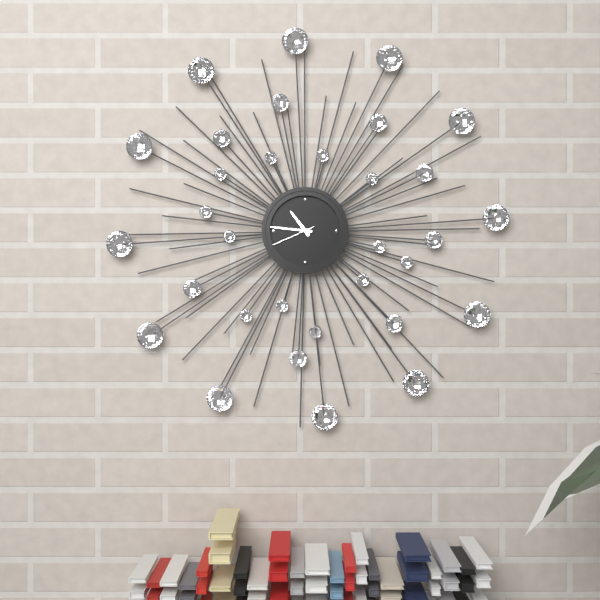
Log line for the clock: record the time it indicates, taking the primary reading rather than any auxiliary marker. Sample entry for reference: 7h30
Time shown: 10h46
